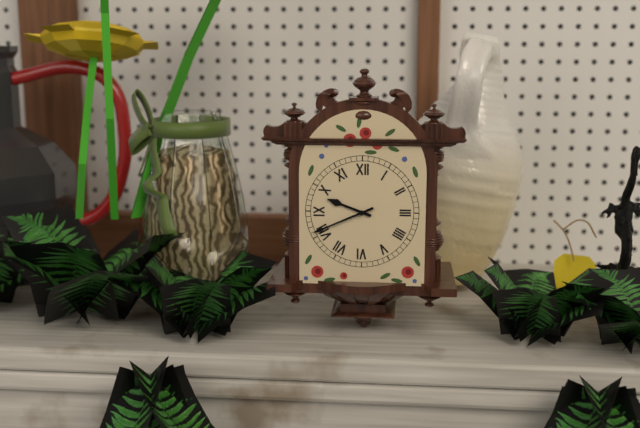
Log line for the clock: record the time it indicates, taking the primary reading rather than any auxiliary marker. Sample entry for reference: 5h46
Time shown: 9h41
